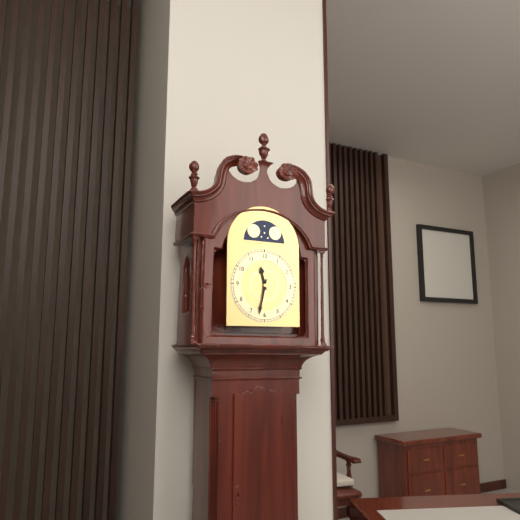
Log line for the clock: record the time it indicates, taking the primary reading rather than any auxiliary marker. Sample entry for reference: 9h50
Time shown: 11h32
